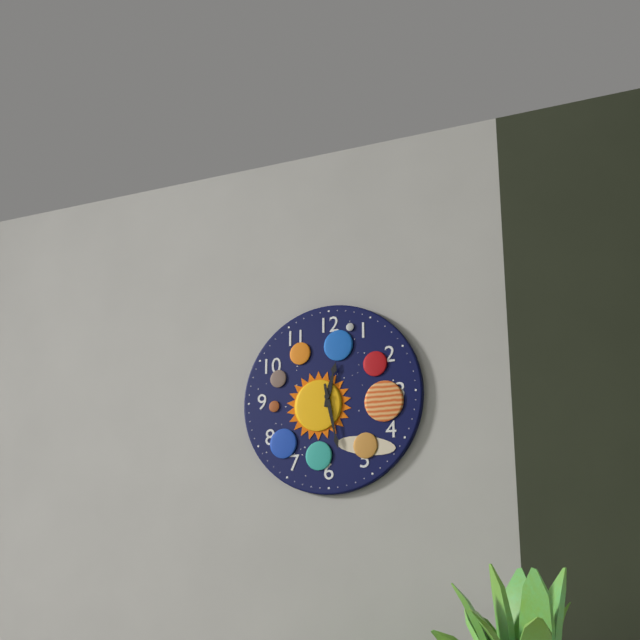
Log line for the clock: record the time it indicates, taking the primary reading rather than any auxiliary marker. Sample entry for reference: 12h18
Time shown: 12h28
